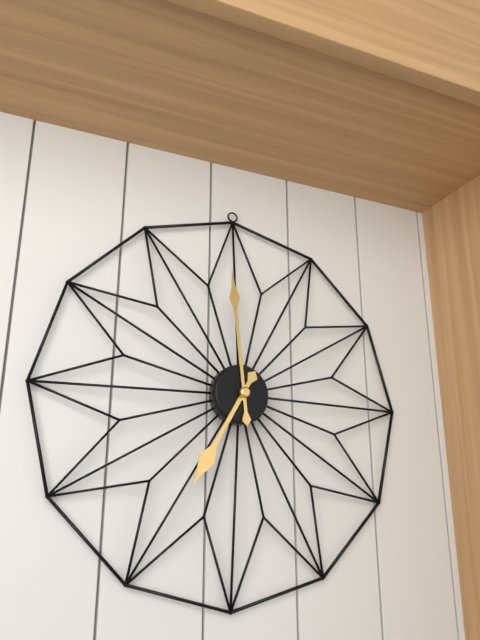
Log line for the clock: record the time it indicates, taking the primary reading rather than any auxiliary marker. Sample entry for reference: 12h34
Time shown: 6h59
